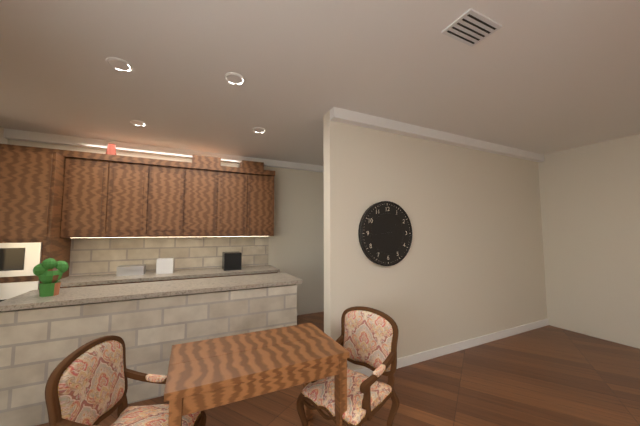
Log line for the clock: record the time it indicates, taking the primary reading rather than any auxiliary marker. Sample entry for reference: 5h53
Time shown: 1h44
